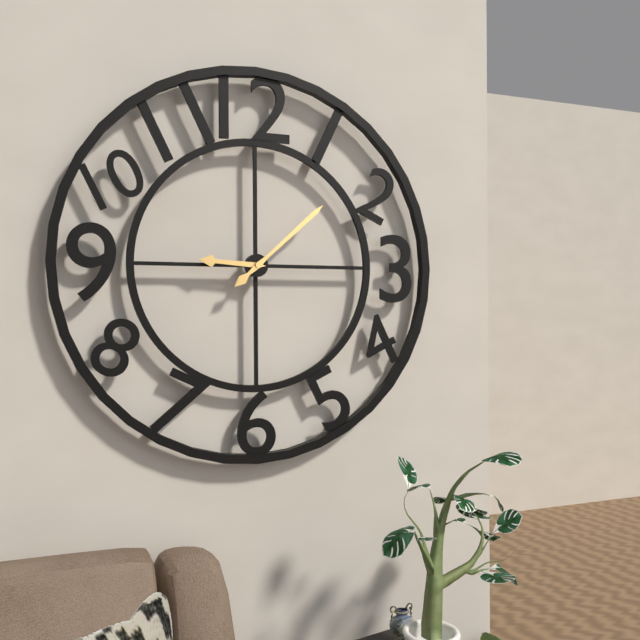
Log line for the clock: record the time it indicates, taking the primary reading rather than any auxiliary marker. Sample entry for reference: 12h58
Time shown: 9h08
